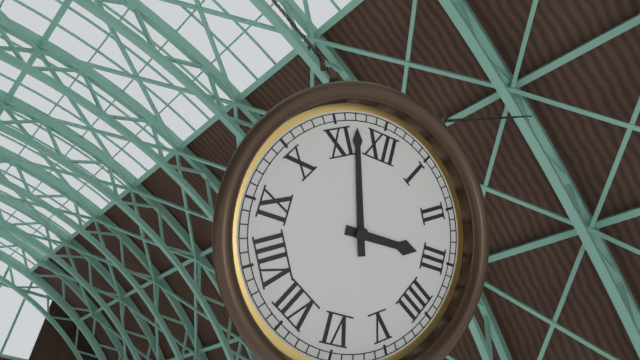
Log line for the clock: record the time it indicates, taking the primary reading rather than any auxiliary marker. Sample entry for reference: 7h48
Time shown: 2h57
